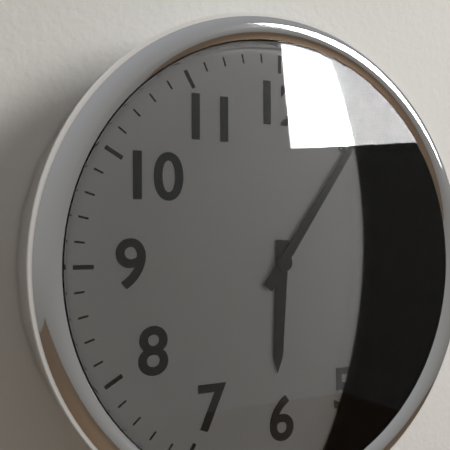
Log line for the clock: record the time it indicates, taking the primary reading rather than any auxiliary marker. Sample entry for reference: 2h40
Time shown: 6h06
